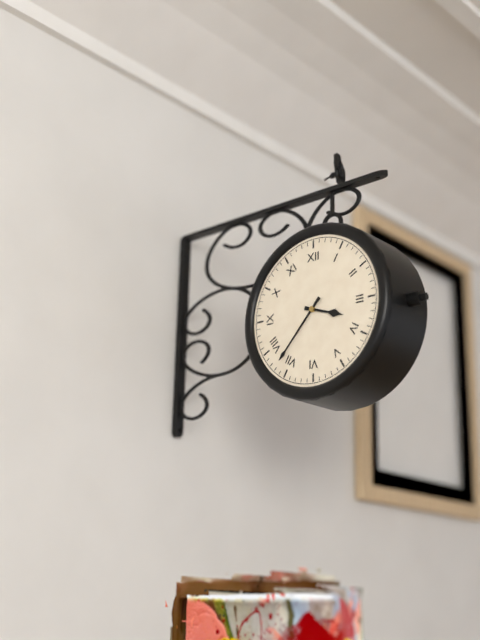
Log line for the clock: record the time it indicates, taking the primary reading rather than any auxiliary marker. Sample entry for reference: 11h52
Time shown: 3h37
